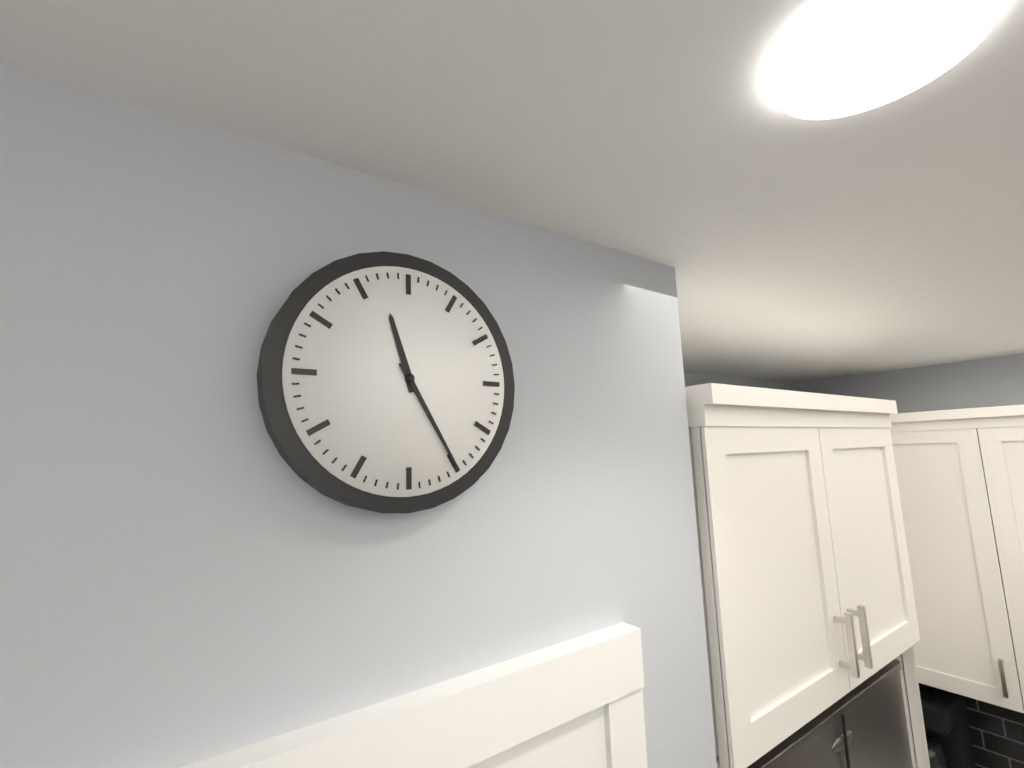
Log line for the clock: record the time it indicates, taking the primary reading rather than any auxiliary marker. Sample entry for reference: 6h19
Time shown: 11h25
